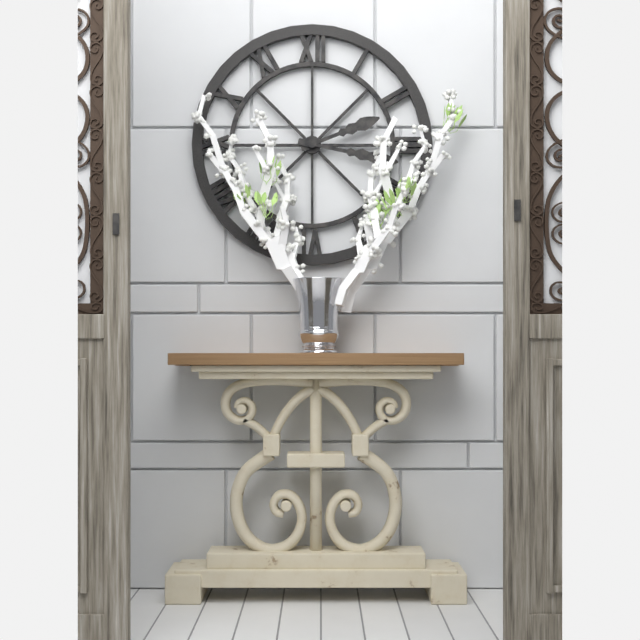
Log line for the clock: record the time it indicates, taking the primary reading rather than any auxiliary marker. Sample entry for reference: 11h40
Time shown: 2h17
